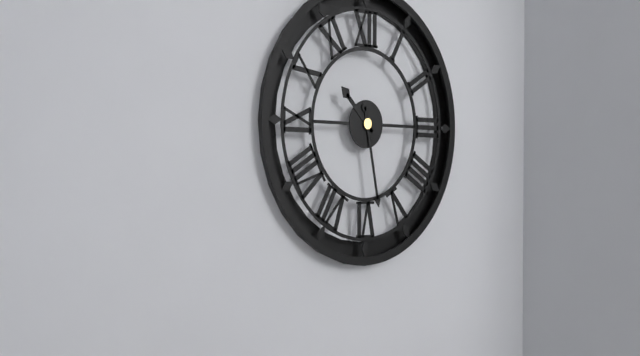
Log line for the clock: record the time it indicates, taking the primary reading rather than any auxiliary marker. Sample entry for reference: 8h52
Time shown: 10h28
